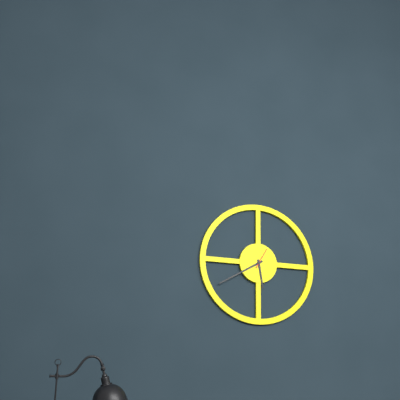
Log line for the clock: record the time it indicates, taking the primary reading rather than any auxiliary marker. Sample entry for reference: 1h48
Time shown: 5h40
